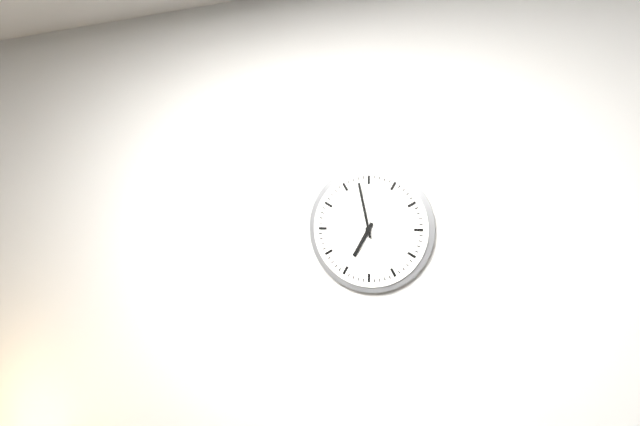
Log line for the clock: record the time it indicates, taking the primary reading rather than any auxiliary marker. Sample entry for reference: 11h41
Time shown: 6h58
